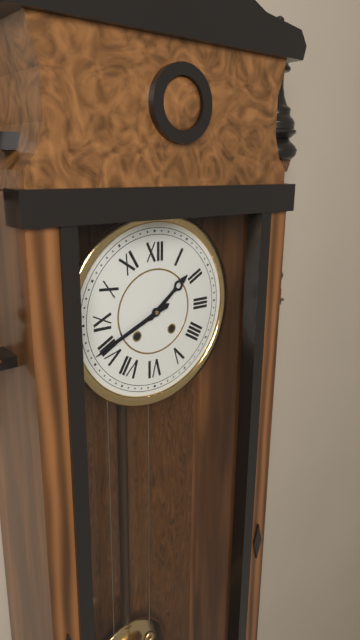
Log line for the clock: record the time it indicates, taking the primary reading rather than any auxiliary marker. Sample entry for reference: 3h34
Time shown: 1h41
